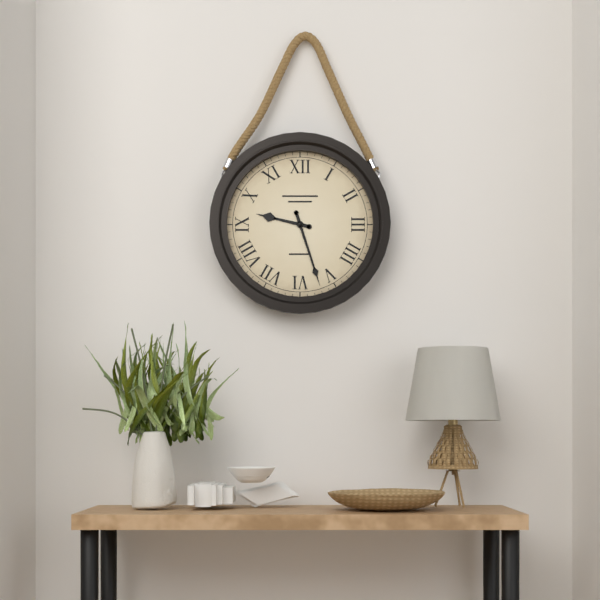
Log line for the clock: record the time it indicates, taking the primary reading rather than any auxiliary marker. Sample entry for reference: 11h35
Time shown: 9h27
